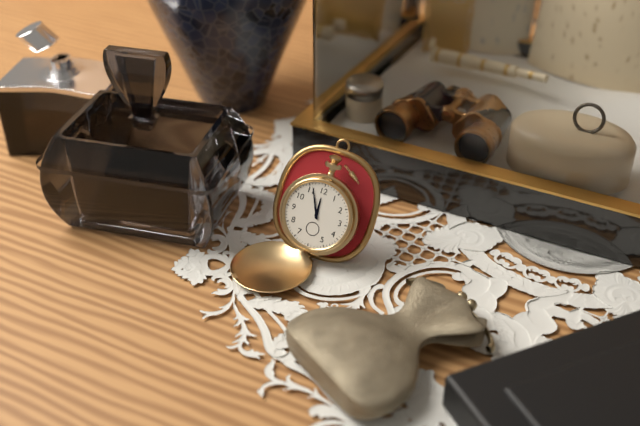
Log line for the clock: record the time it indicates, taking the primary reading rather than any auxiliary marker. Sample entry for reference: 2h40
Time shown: 11h56
